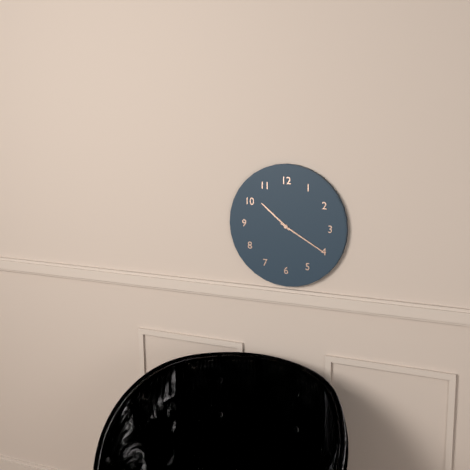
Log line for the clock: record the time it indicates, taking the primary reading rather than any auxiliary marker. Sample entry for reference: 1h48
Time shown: 10h20
